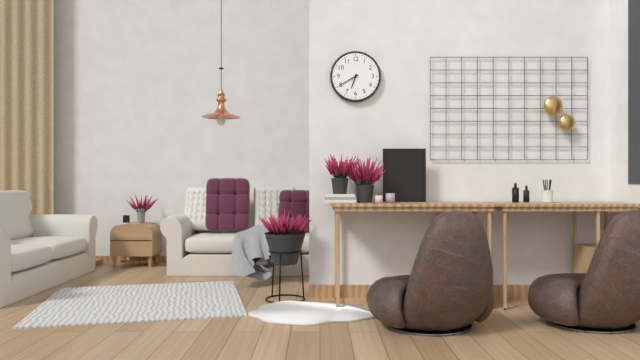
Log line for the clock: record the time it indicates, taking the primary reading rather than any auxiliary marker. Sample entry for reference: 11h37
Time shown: 6h40
